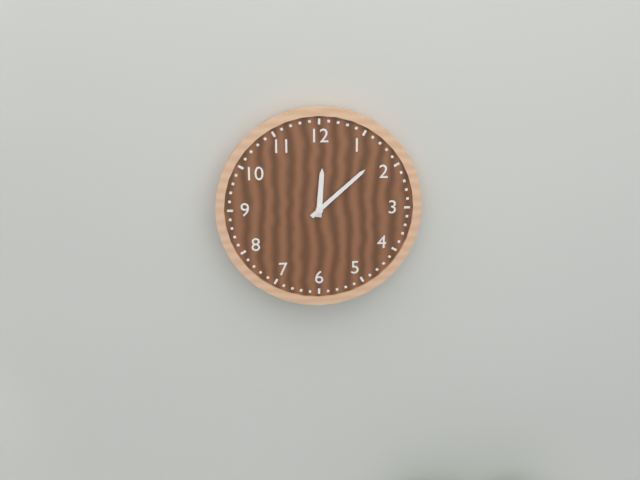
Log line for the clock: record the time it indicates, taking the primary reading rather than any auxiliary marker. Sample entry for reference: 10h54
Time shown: 12h08
